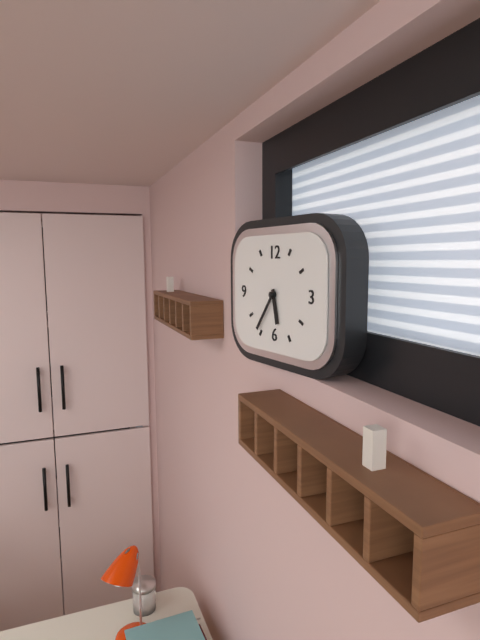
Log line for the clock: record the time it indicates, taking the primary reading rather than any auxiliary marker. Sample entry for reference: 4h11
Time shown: 5h36
